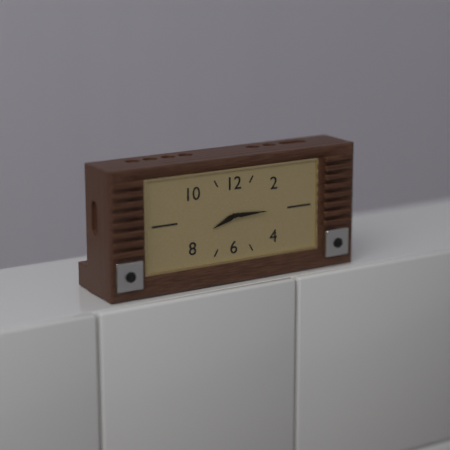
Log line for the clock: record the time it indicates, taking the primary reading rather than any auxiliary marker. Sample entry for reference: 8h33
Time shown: 8h15
